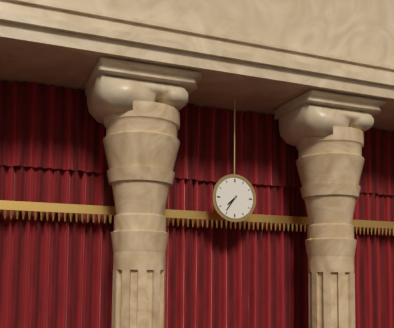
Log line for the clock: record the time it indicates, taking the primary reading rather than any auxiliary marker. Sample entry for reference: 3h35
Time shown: 7h36
